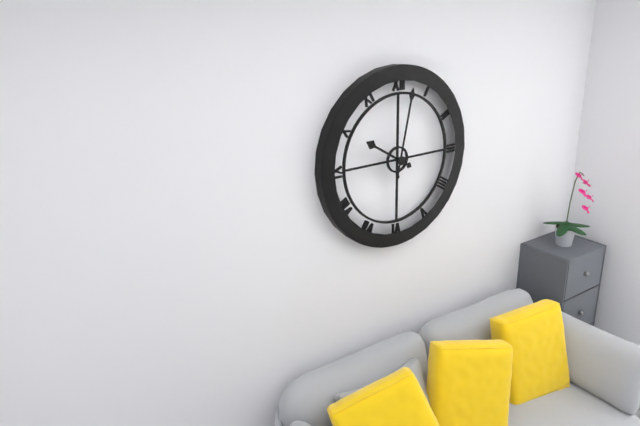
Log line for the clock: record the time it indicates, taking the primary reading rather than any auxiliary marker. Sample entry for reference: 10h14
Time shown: 10h02
